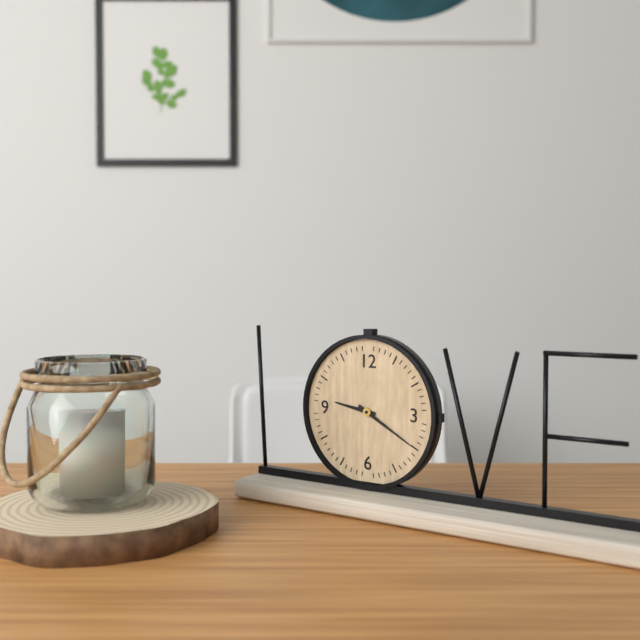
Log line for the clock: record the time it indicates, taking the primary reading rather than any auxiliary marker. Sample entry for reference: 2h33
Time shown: 9h20
